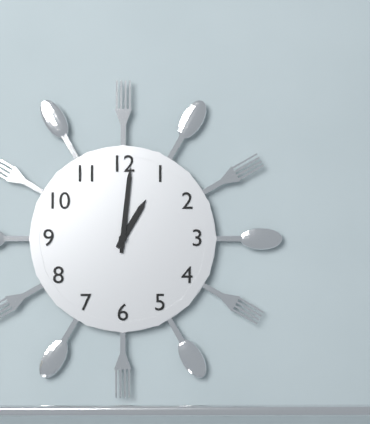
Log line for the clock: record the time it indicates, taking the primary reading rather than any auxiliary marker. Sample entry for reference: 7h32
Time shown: 1h01
